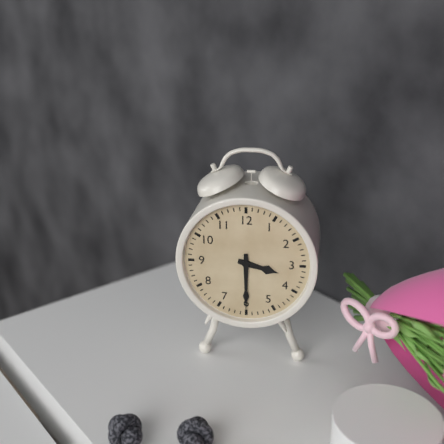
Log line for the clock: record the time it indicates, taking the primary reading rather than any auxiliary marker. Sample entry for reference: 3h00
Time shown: 3h30
